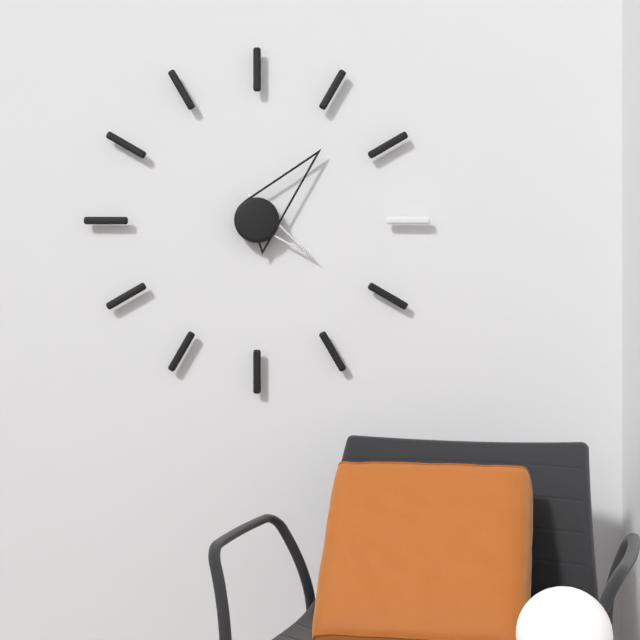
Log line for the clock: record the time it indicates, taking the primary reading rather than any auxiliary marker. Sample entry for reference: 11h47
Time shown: 4h07
